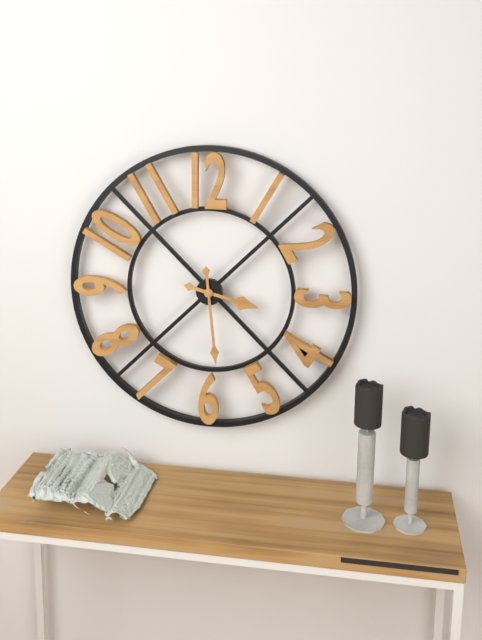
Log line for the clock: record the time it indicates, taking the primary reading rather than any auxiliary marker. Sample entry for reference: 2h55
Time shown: 3h29
